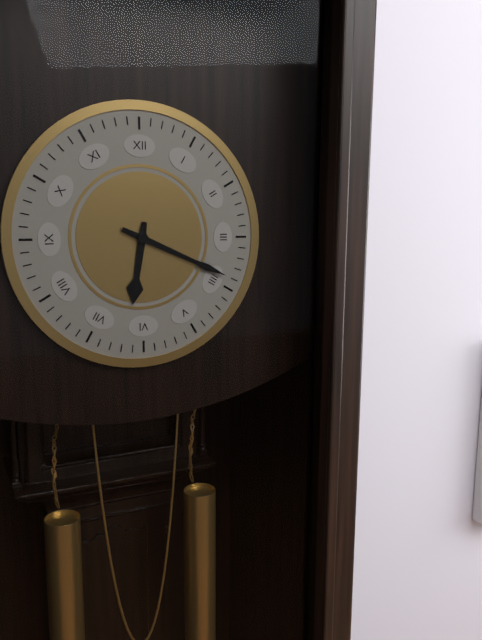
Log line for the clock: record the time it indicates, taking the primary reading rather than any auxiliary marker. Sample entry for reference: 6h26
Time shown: 6h19
